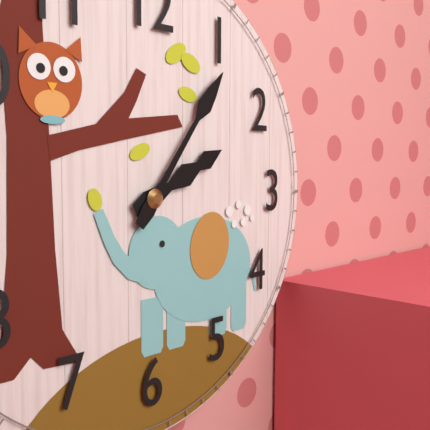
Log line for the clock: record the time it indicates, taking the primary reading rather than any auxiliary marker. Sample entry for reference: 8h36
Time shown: 2h06
